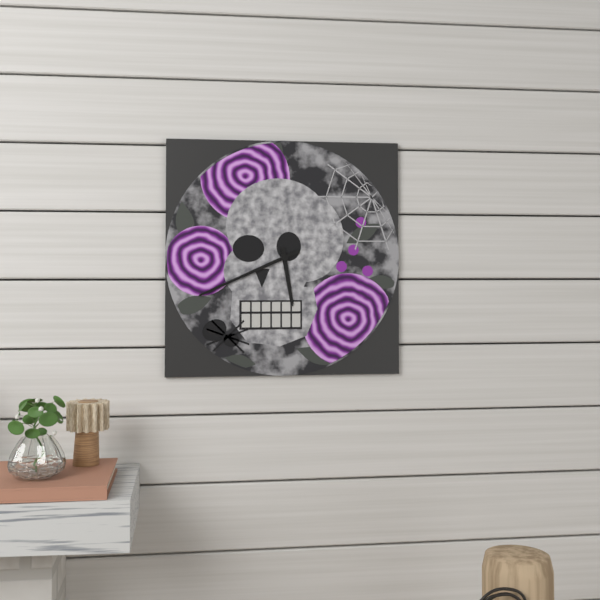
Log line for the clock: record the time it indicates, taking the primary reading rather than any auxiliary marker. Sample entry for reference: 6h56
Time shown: 5h41
